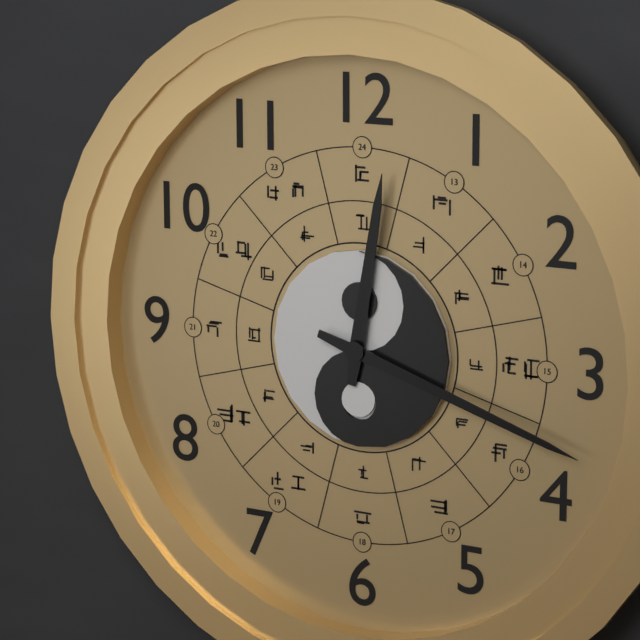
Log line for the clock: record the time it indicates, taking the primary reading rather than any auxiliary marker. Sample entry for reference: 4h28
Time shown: 12h18
